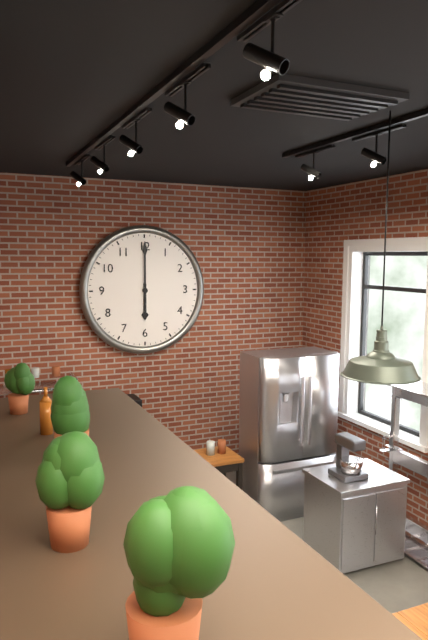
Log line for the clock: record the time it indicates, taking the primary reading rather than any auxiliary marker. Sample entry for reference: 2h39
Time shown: 6h00
